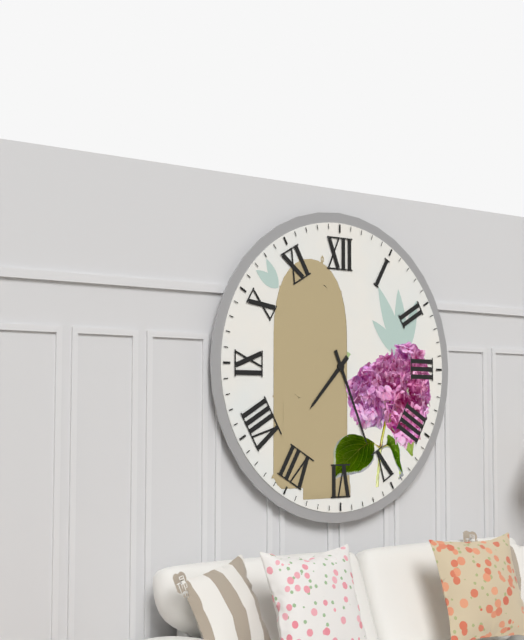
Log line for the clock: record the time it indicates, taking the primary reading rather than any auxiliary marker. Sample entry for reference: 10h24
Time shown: 7h26
